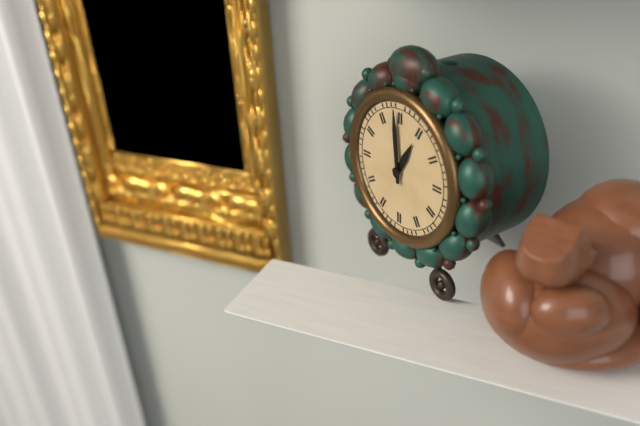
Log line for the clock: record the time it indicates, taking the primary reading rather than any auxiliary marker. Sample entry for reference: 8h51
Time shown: 12h59
